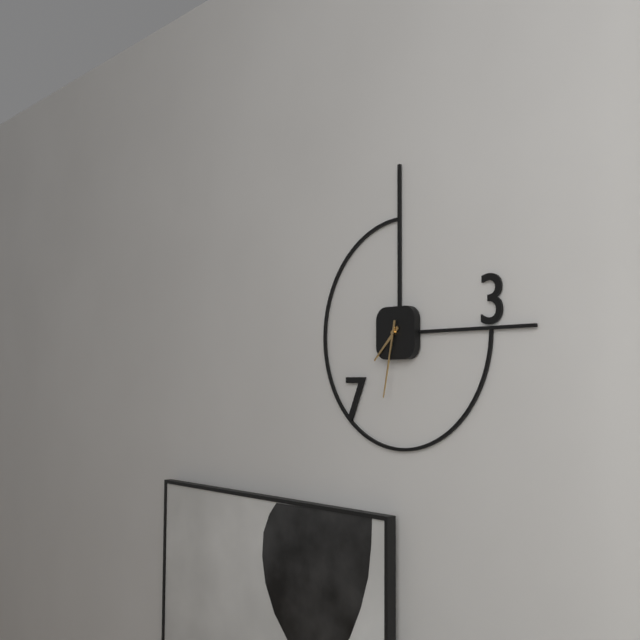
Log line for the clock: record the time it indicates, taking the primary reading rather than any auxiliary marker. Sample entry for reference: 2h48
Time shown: 7h32
